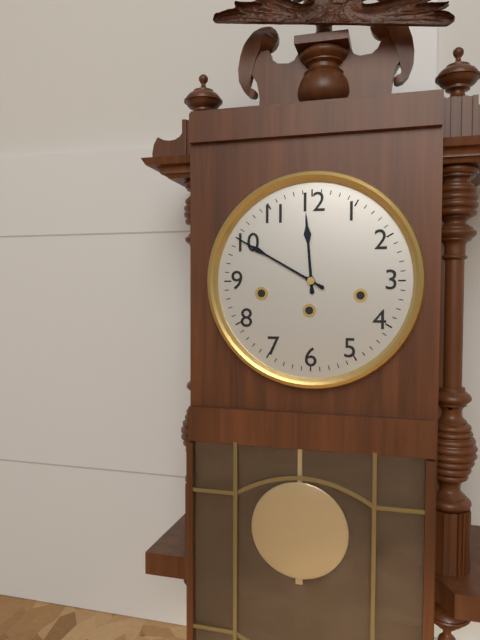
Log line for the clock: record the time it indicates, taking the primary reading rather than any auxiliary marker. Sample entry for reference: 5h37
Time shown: 11h50
